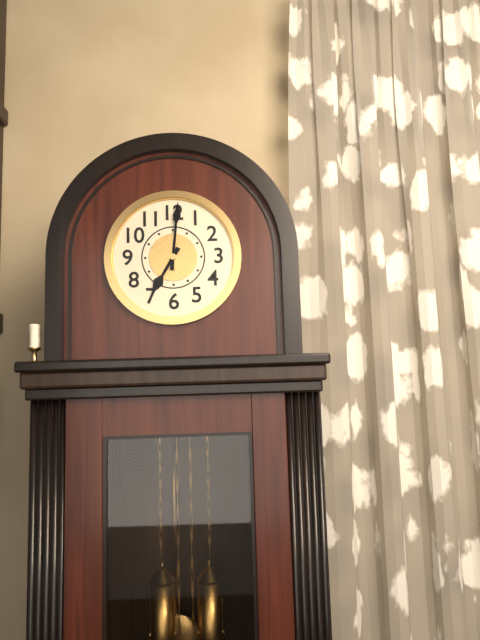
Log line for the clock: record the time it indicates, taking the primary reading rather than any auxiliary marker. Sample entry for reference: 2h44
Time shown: 7h01
